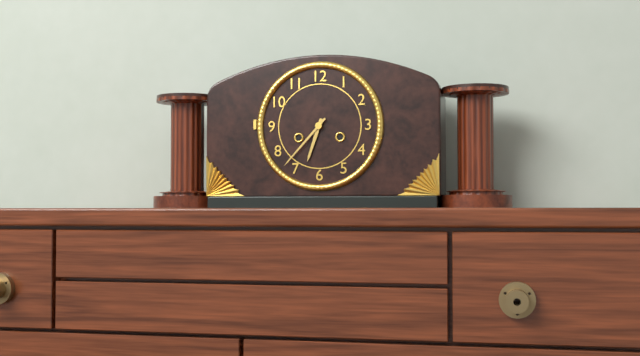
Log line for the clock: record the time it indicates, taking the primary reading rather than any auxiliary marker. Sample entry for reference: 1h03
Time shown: 6h37
